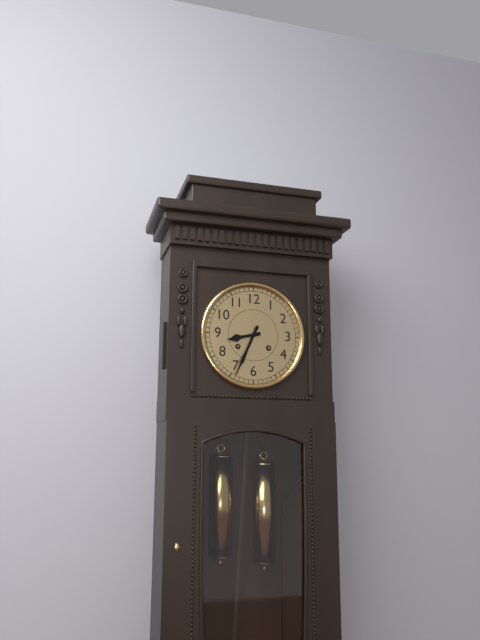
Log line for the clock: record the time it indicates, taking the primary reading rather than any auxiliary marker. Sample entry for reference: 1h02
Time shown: 8h34
